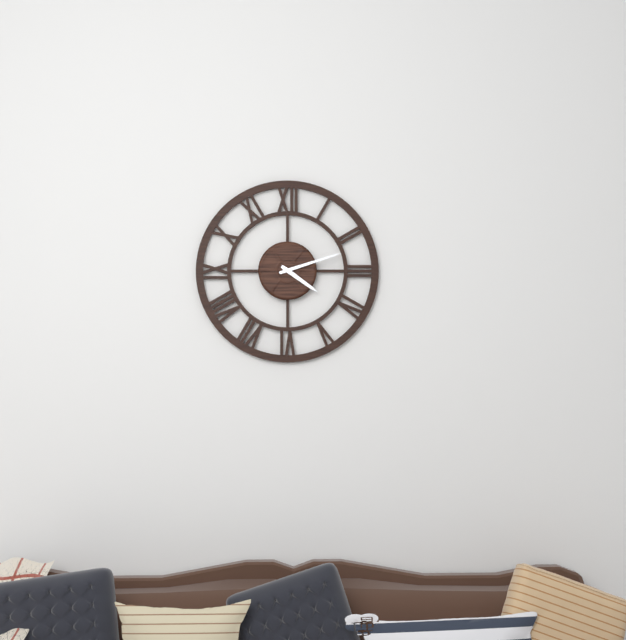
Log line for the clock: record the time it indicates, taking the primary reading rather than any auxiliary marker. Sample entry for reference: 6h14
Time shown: 4h12
